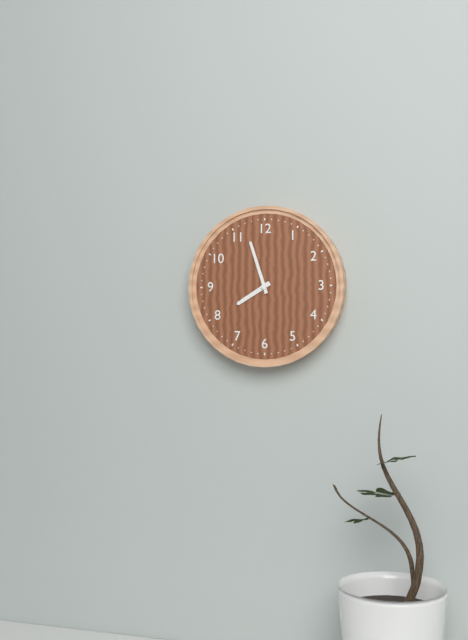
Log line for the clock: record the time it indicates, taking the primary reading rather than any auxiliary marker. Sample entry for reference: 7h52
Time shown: 7h57
